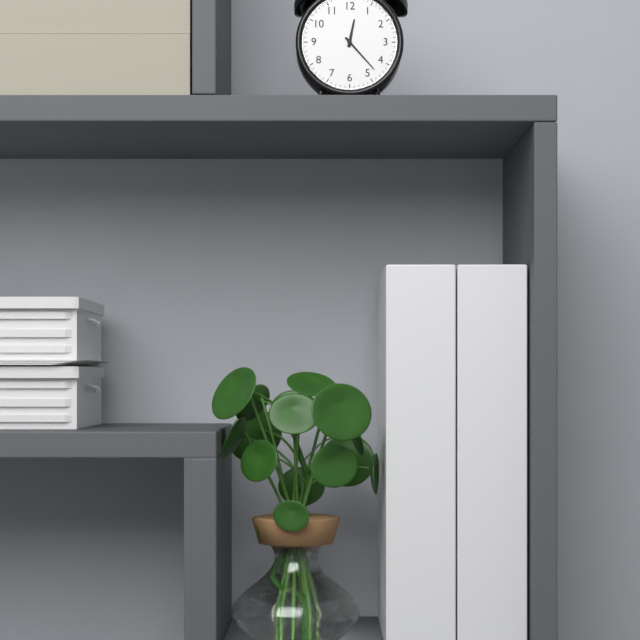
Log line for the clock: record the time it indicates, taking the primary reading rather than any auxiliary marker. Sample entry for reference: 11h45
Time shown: 12h23
